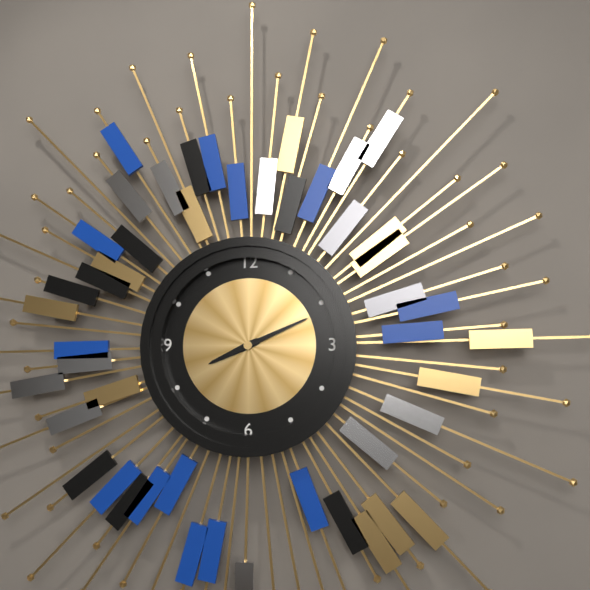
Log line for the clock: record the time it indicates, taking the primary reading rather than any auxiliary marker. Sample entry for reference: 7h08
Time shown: 8h11
